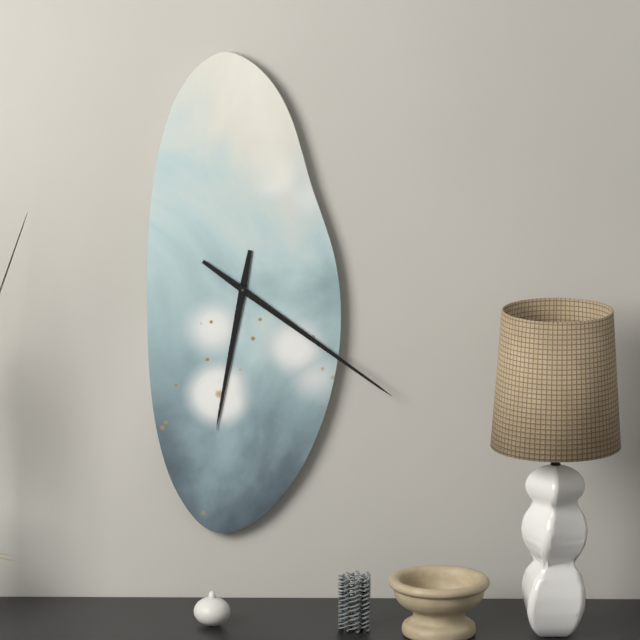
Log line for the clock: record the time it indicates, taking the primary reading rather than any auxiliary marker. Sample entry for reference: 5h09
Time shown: 6h21
